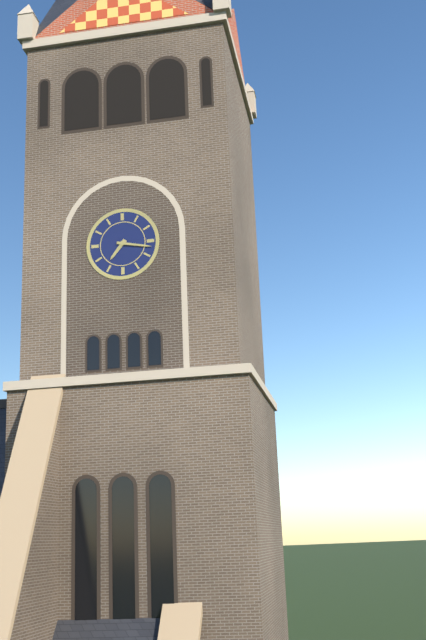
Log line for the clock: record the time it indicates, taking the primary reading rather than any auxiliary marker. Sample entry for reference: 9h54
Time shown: 7h17
